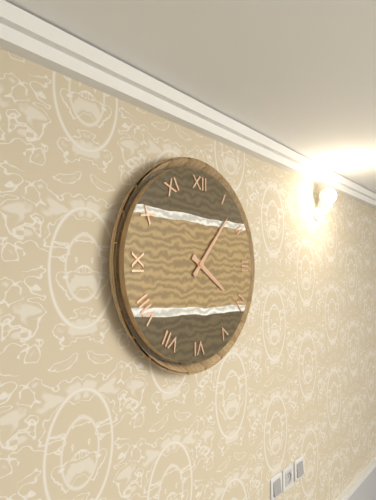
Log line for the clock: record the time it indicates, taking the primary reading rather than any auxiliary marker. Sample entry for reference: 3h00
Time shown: 4h07
